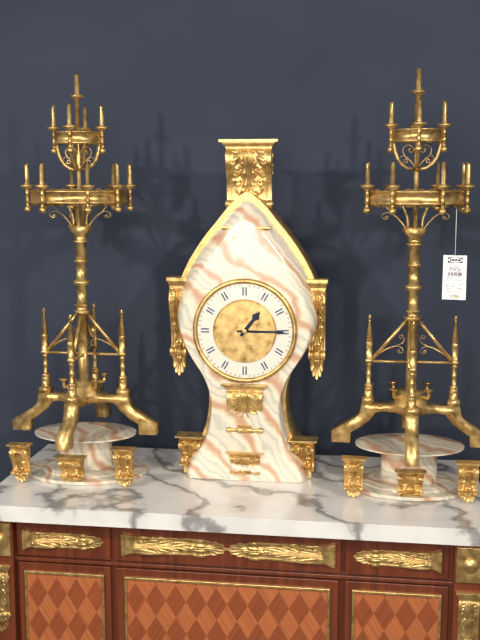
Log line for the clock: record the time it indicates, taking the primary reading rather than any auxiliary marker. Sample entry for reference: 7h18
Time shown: 1h15
